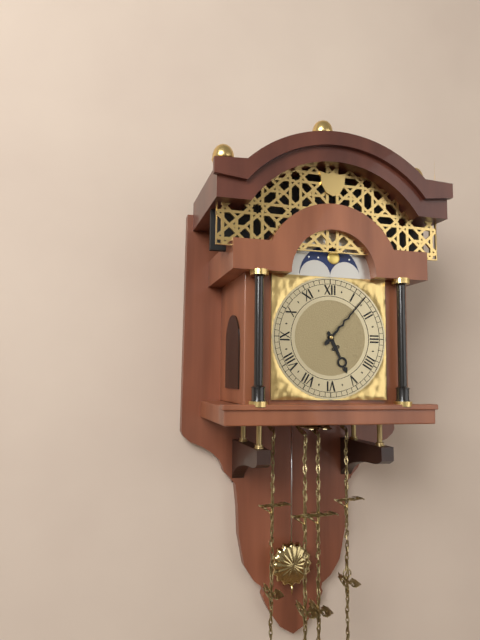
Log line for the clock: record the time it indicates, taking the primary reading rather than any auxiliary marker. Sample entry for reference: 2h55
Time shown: 5h07
